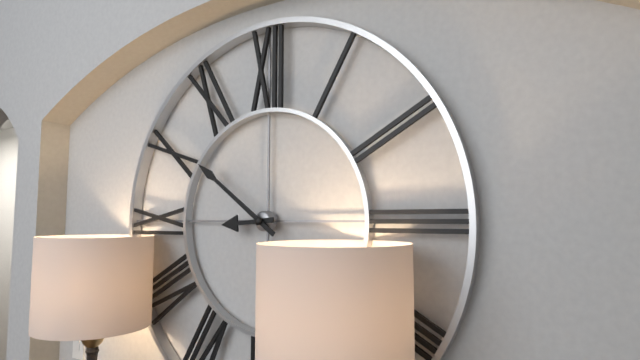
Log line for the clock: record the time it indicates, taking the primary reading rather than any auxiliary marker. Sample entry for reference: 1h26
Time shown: 8h51
